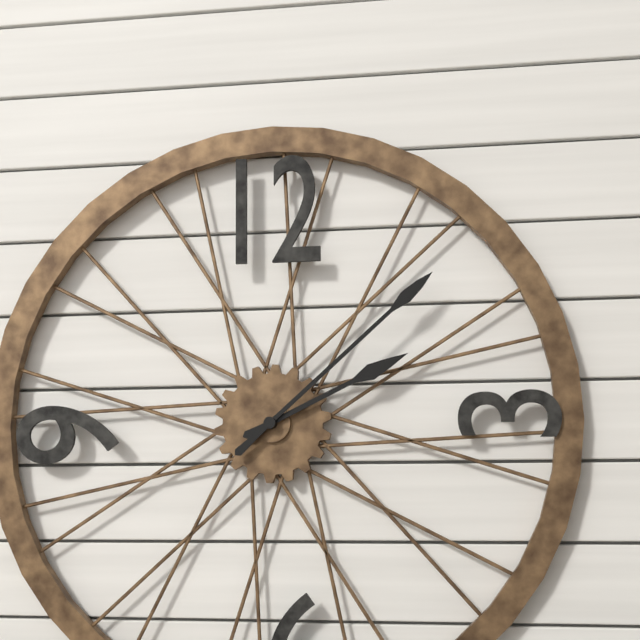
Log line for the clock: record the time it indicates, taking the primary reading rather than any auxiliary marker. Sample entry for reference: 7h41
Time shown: 2h08
